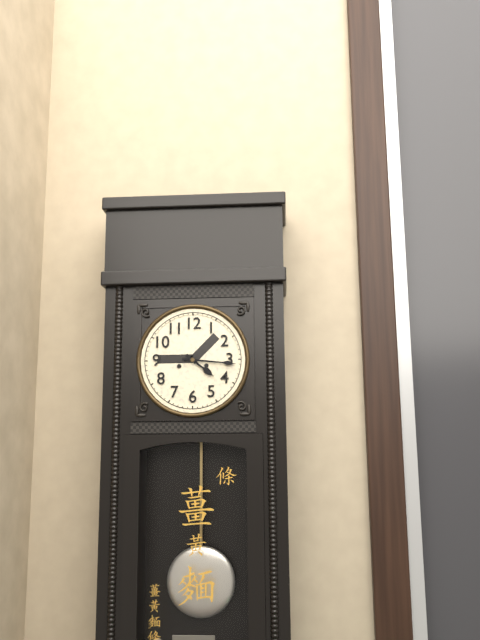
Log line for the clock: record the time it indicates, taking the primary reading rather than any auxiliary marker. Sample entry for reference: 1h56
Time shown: 4h16
